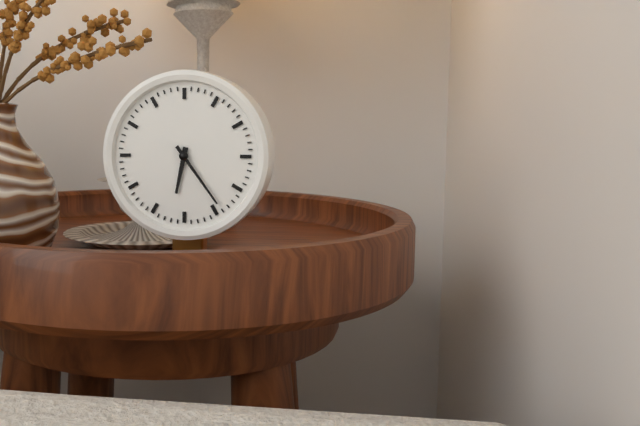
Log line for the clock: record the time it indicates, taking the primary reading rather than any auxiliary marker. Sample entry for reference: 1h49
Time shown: 6h24
